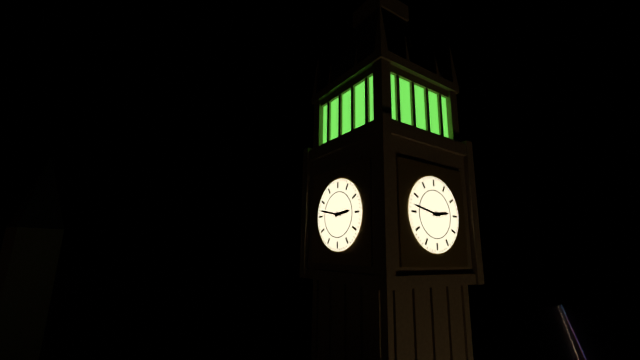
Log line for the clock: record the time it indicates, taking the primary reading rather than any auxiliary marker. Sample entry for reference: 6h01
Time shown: 2h47
